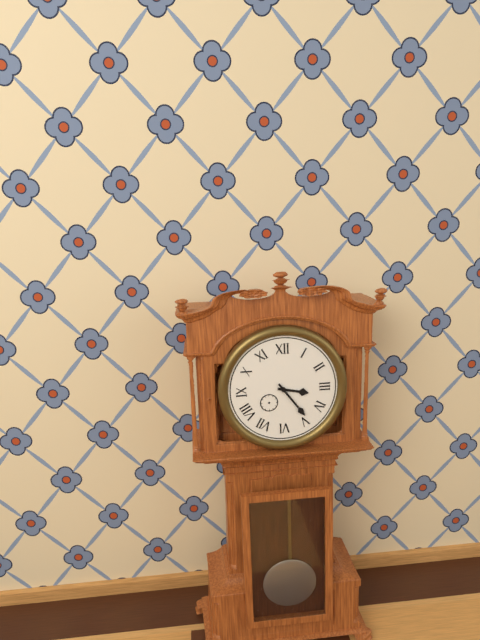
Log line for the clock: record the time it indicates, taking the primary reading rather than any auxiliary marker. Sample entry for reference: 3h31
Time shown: 3h24
